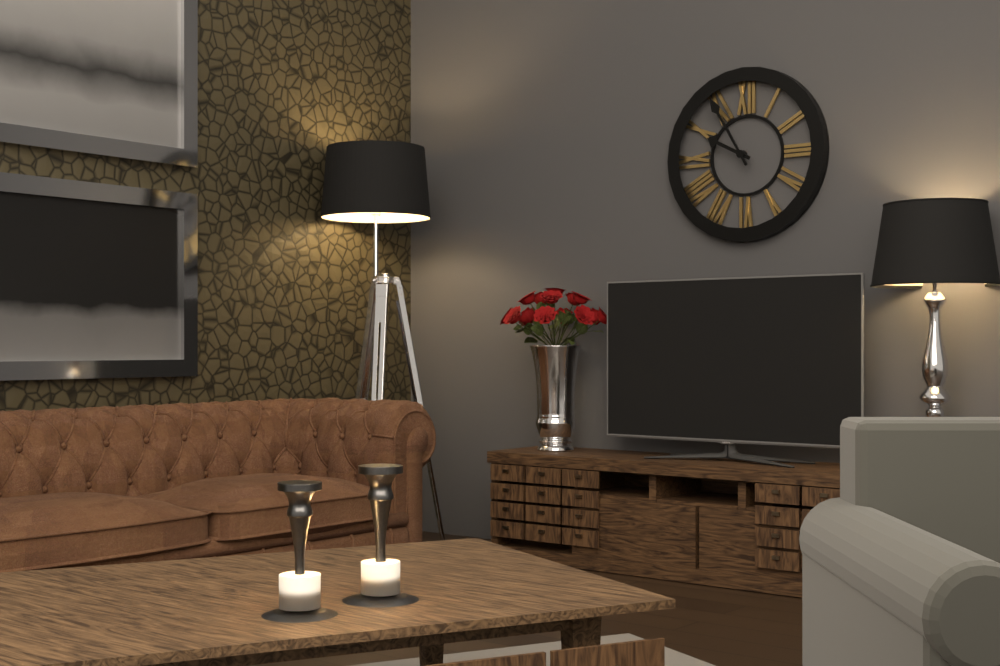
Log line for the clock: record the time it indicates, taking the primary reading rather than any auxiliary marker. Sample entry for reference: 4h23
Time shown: 9h55
